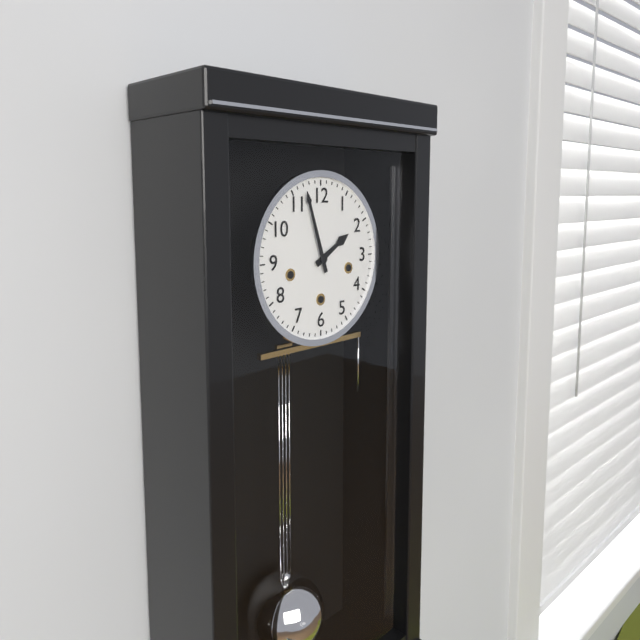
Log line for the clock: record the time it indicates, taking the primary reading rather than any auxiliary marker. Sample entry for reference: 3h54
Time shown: 1h57
